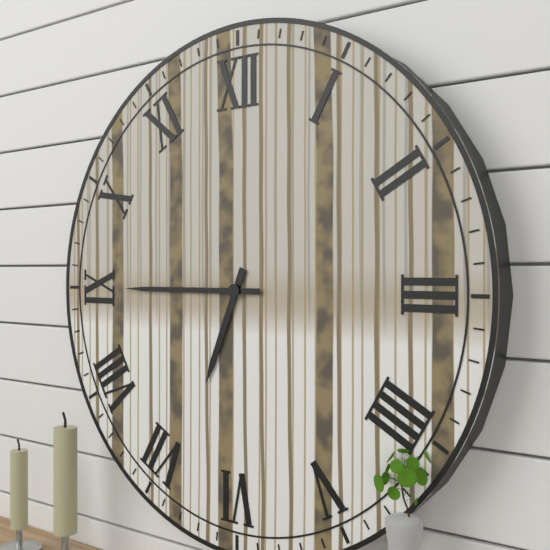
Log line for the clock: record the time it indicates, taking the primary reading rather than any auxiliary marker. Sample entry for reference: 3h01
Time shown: 6h45
